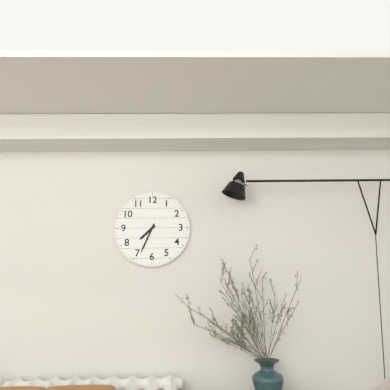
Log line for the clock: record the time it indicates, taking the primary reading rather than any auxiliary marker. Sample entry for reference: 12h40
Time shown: 7h34
